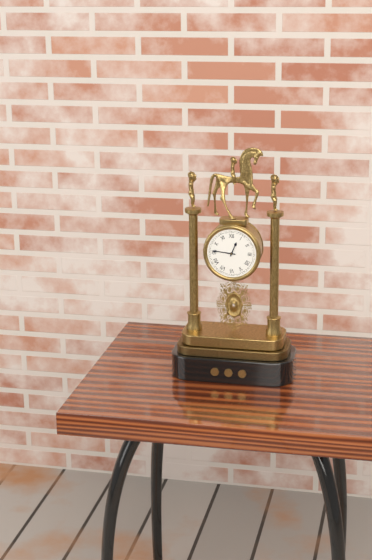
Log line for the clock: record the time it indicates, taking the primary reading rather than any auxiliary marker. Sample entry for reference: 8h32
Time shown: 12h46
